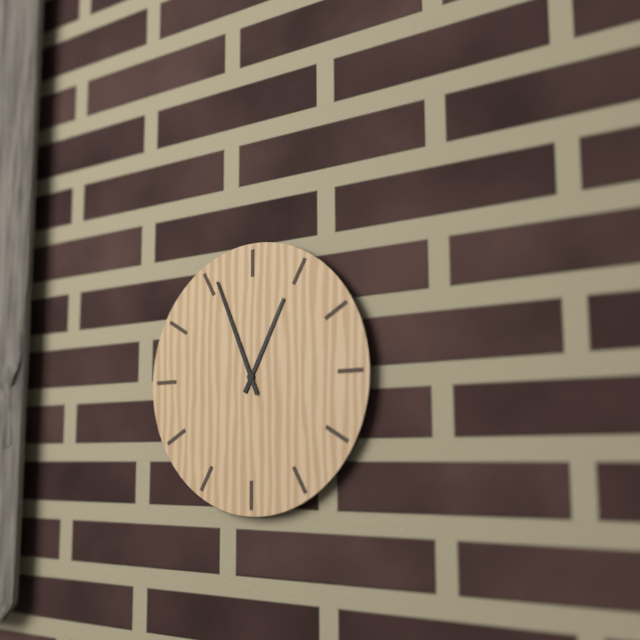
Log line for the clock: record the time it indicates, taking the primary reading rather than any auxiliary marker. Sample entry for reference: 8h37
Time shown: 12h56
